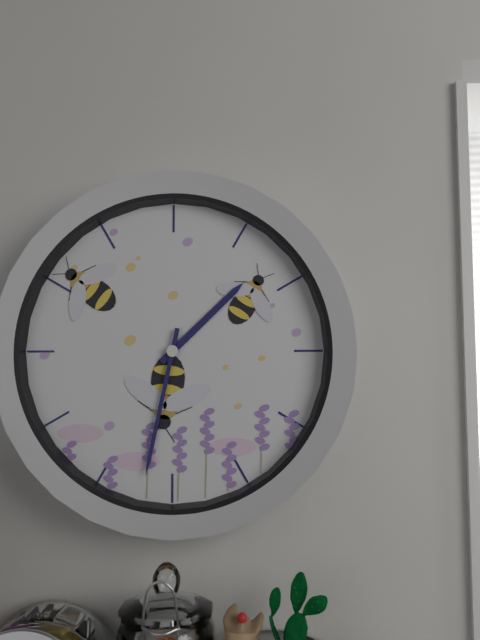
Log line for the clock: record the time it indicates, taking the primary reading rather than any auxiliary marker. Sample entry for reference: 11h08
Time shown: 1h32
